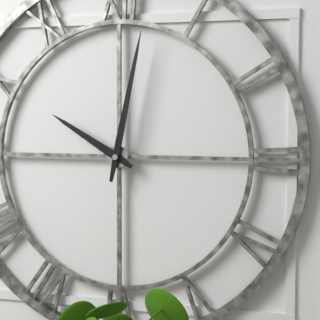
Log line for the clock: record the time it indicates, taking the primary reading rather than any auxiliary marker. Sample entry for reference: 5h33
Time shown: 10h02
